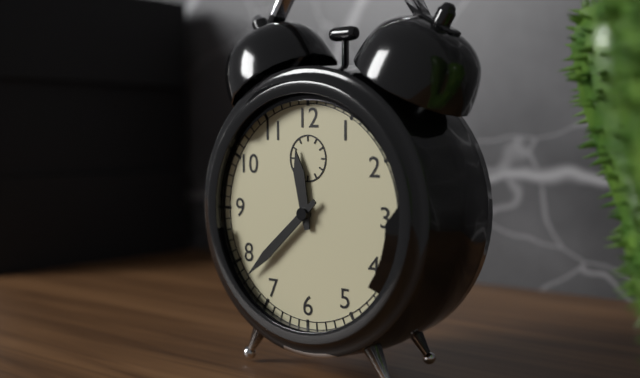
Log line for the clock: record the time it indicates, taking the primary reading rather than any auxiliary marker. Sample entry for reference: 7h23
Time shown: 11h38
